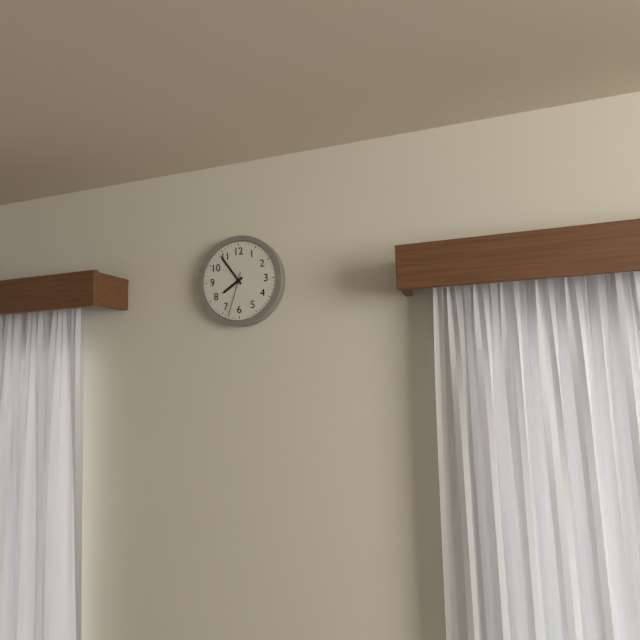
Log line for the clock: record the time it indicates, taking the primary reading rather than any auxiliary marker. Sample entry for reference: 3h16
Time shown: 7h54
